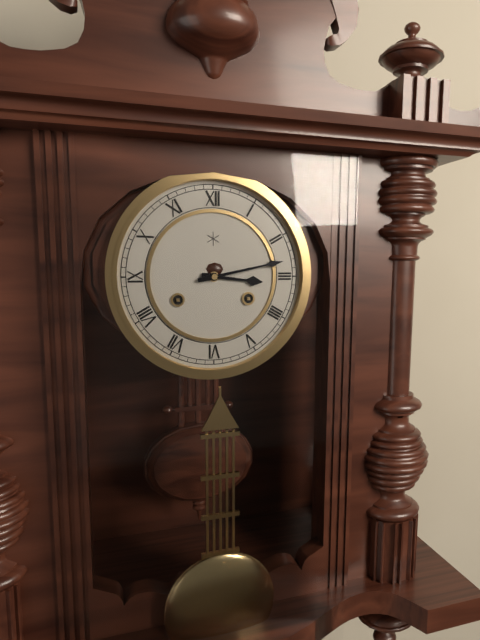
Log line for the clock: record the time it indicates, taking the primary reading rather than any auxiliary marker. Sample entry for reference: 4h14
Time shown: 3h13
